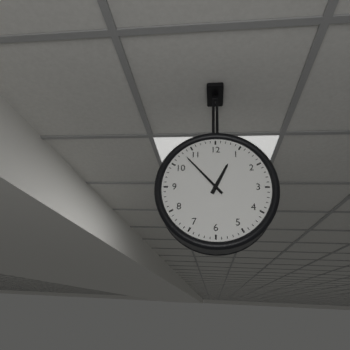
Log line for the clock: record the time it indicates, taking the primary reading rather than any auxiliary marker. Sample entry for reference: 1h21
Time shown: 12h53
